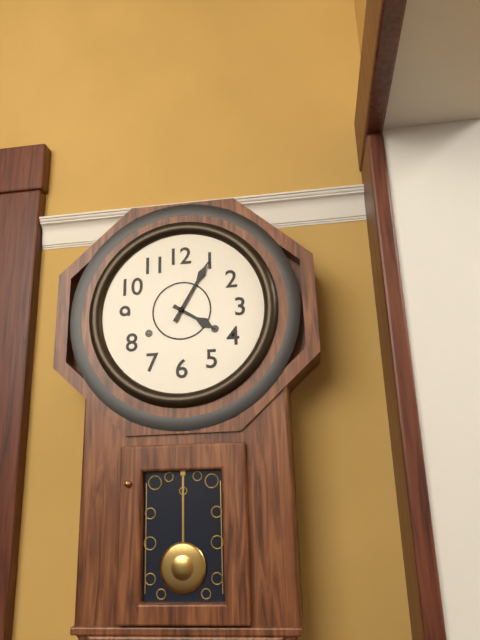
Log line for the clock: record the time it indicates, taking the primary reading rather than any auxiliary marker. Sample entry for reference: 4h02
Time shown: 4h05
